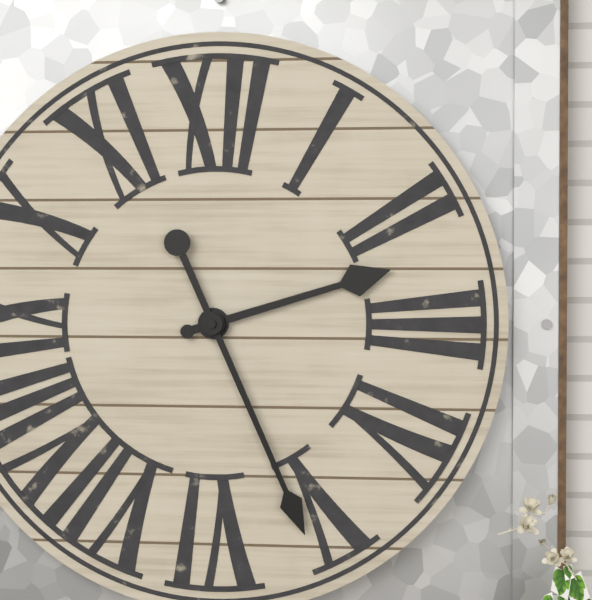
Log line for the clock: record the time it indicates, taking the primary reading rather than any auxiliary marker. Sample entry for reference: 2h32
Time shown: 2h26
